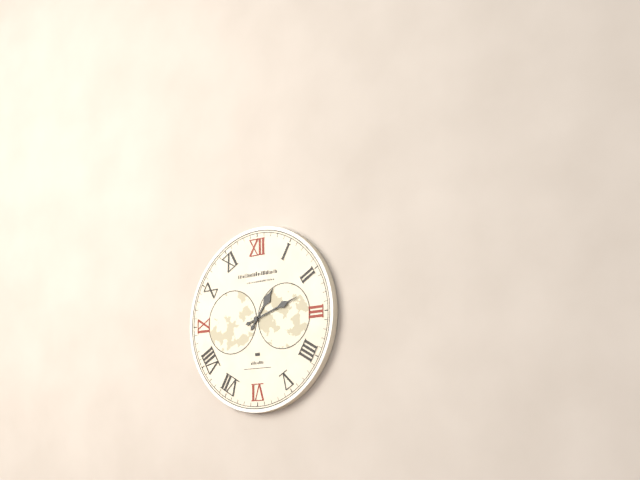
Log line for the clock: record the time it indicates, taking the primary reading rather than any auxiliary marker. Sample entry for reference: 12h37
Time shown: 1h12
